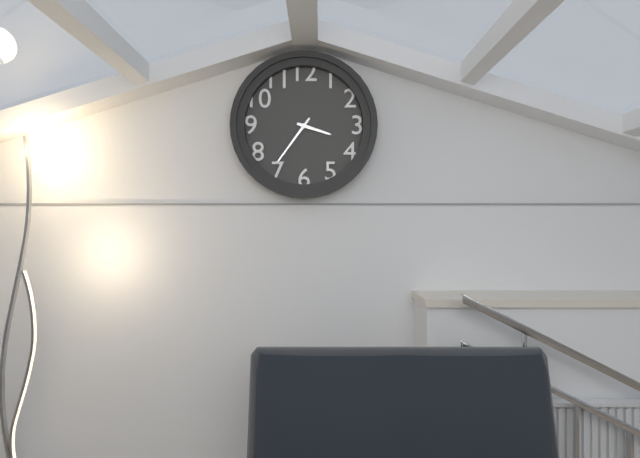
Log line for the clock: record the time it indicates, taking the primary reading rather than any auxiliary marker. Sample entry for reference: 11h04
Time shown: 3h36
